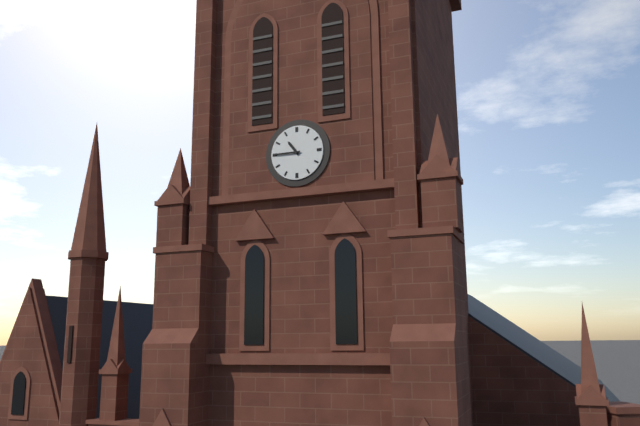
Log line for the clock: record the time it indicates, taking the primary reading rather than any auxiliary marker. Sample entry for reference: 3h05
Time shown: 10h45
